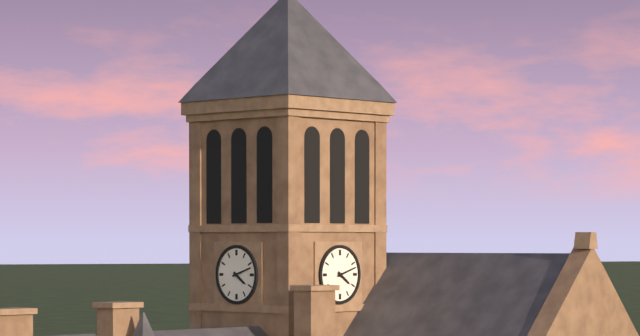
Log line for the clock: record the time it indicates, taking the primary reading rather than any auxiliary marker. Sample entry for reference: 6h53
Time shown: 4h12
